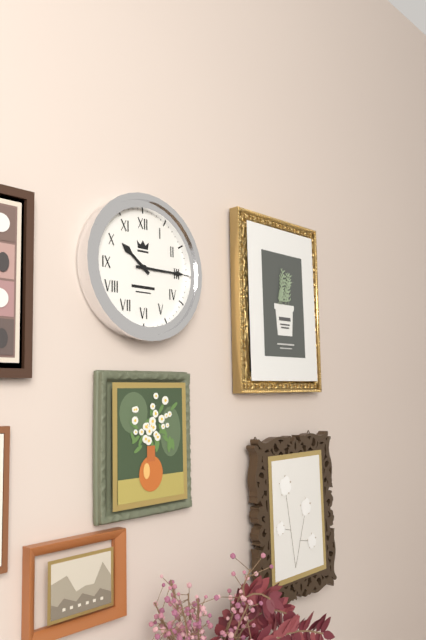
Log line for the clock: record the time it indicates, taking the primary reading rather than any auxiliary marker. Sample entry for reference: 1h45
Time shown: 10h15
